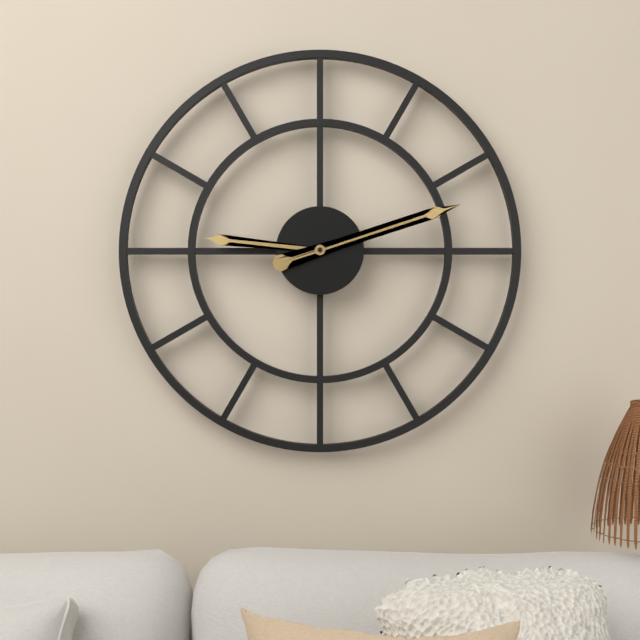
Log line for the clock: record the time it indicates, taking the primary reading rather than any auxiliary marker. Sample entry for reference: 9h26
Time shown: 9h12
